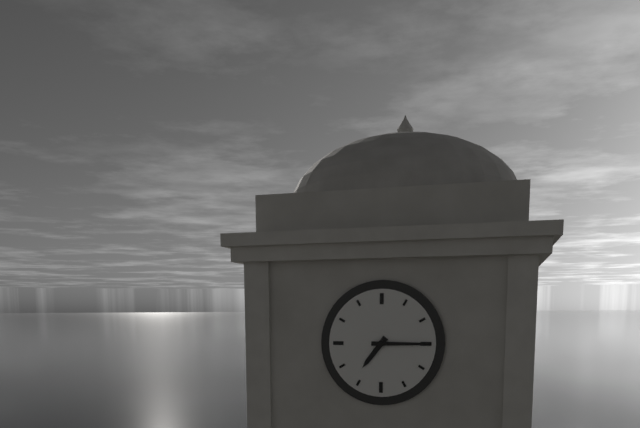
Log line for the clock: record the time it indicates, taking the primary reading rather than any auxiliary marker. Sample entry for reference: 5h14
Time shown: 7h15
